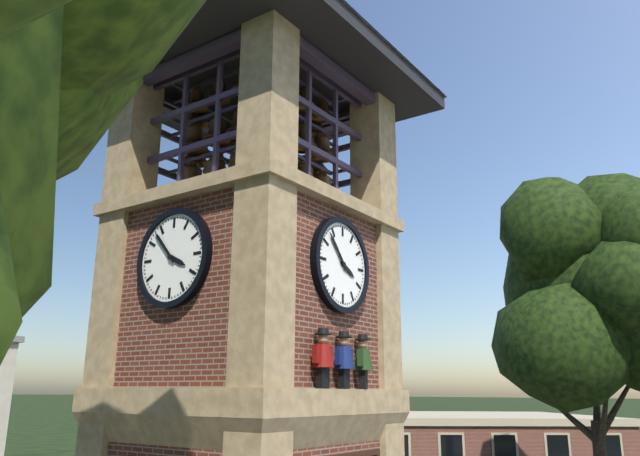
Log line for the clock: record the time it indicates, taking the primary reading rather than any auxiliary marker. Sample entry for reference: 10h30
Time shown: 3h53
